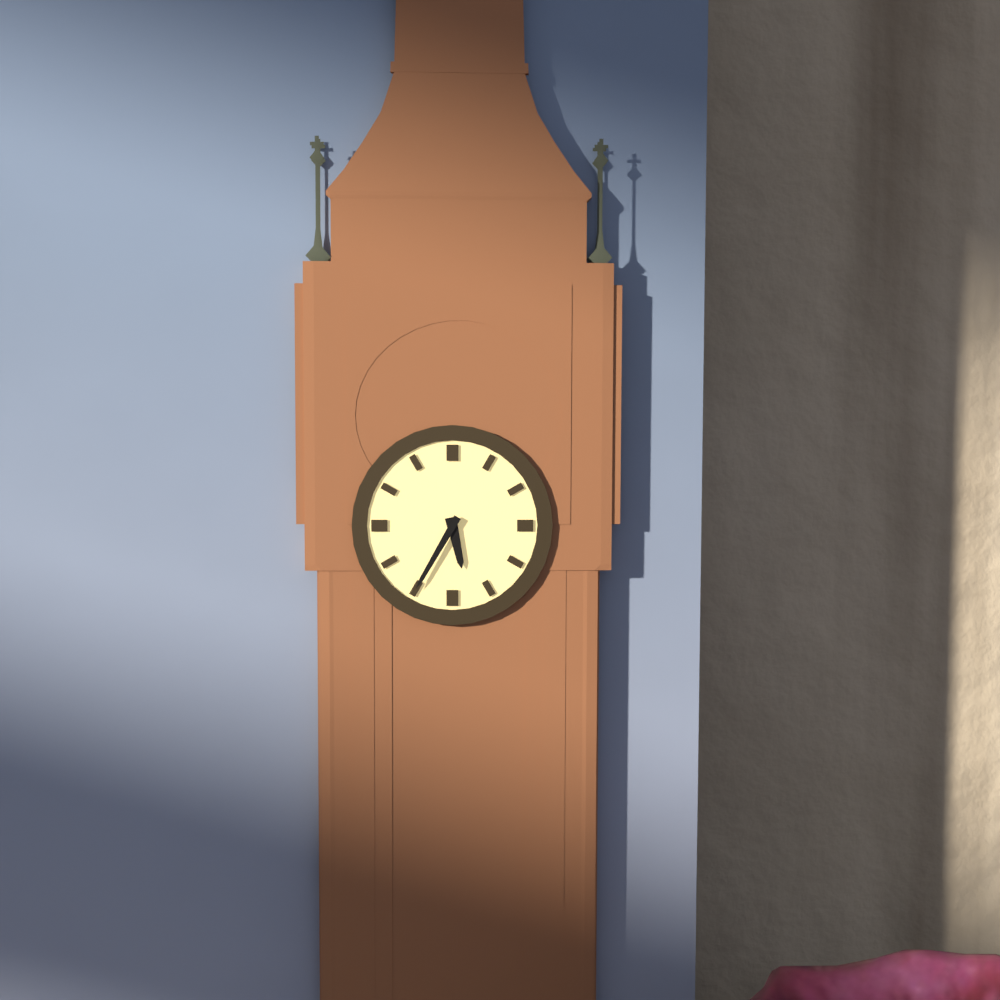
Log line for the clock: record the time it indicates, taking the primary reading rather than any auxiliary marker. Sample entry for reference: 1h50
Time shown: 5h35
